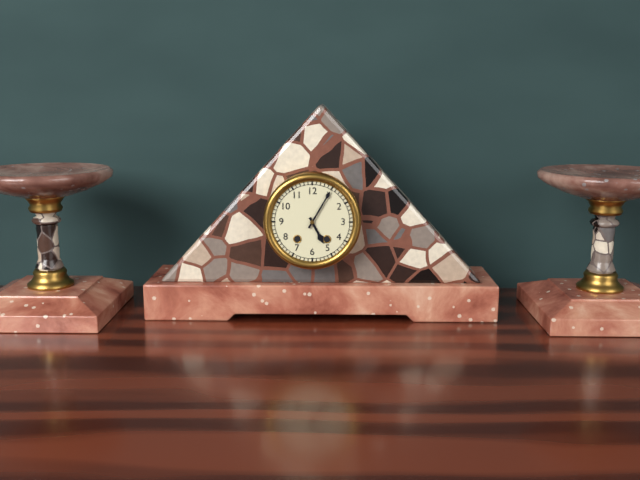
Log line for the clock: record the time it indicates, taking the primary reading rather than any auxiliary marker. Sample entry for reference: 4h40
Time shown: 5h05
